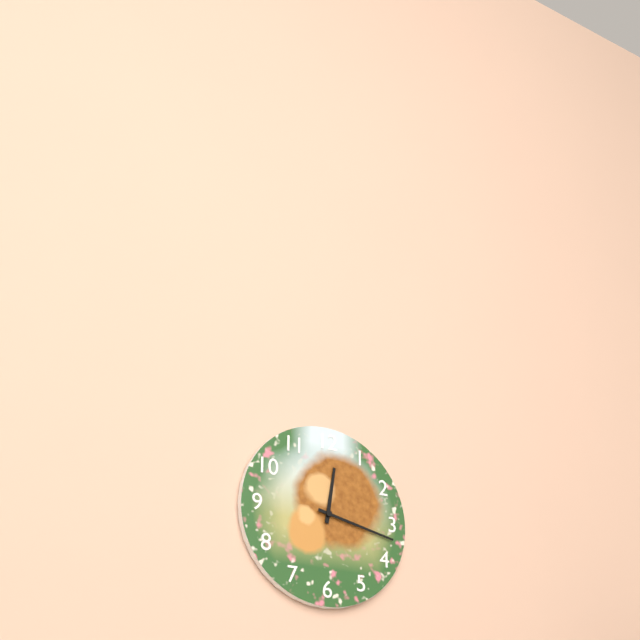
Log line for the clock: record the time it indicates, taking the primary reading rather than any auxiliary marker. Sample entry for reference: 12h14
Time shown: 12h17
